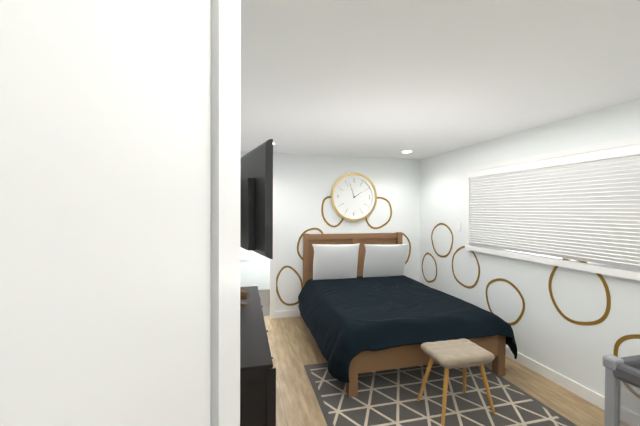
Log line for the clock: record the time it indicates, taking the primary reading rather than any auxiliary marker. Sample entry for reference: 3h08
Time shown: 1h57
